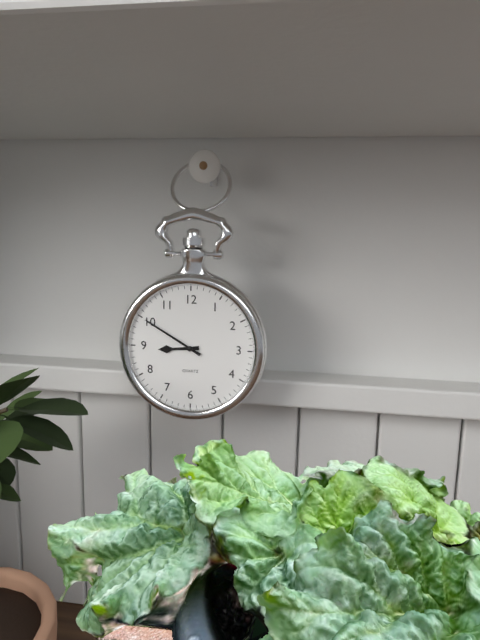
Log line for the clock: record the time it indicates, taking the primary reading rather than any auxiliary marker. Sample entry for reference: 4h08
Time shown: 8h50
